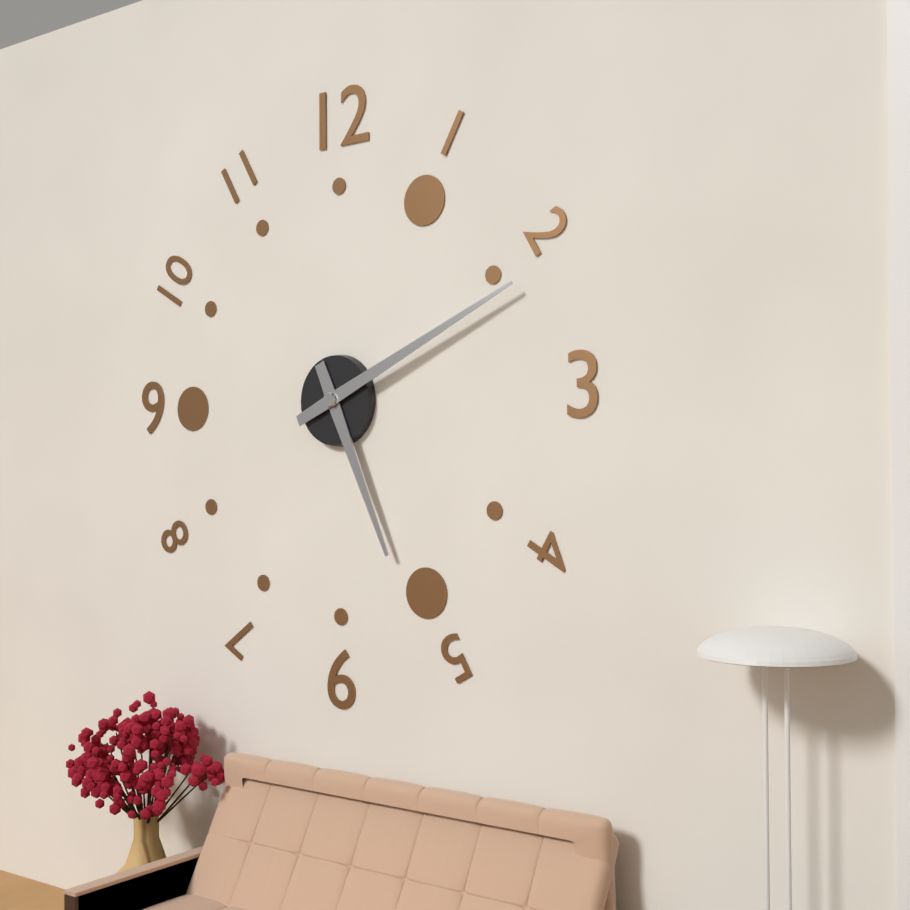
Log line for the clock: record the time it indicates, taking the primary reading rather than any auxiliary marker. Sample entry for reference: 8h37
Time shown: 5h11
